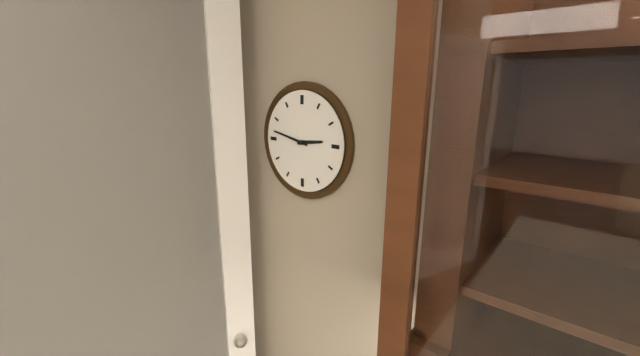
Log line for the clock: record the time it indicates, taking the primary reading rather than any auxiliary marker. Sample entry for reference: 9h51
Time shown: 2h47
